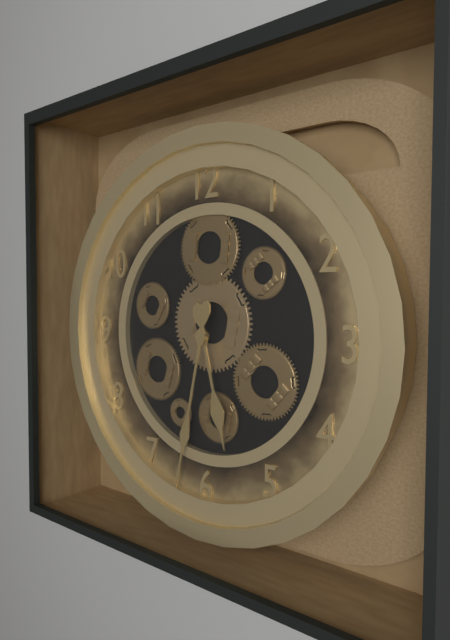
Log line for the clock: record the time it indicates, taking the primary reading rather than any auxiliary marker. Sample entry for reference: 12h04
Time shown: 5h32
